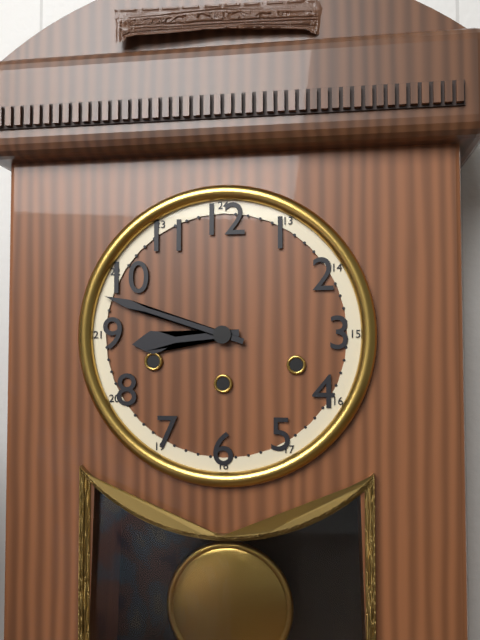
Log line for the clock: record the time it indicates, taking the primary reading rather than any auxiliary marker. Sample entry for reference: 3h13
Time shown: 8h48
